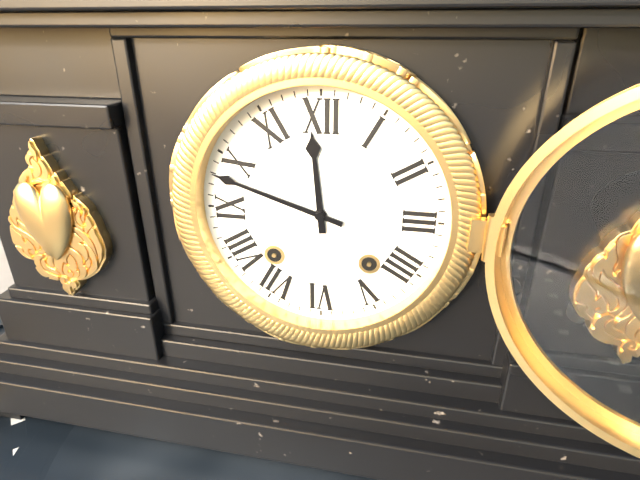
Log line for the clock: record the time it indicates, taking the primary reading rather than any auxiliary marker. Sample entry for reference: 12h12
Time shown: 11h48
